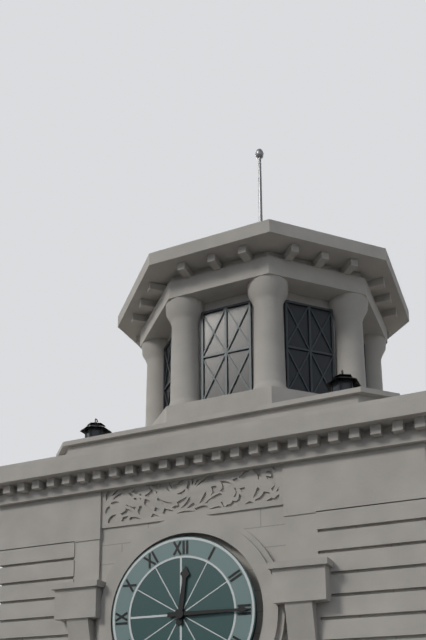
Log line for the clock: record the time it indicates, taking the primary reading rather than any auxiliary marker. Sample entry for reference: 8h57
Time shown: 12h15
